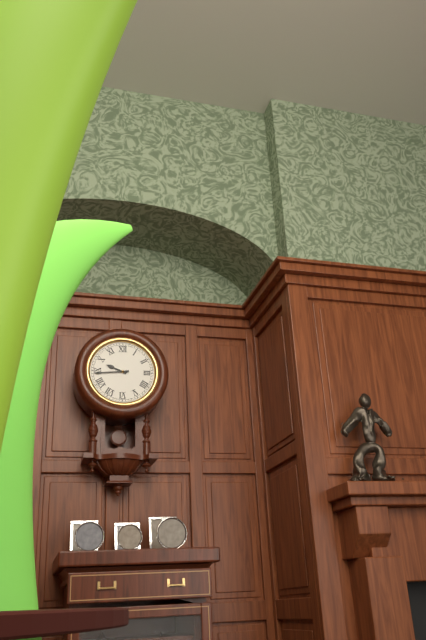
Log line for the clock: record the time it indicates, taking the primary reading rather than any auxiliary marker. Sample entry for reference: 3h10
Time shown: 9h44
